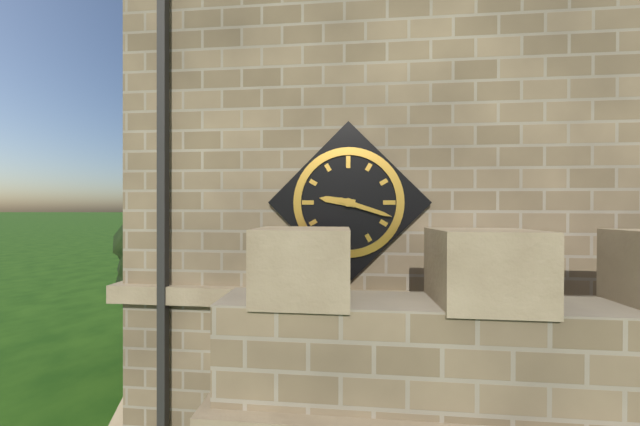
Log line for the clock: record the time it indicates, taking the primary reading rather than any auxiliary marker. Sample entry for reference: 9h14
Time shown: 9h18
